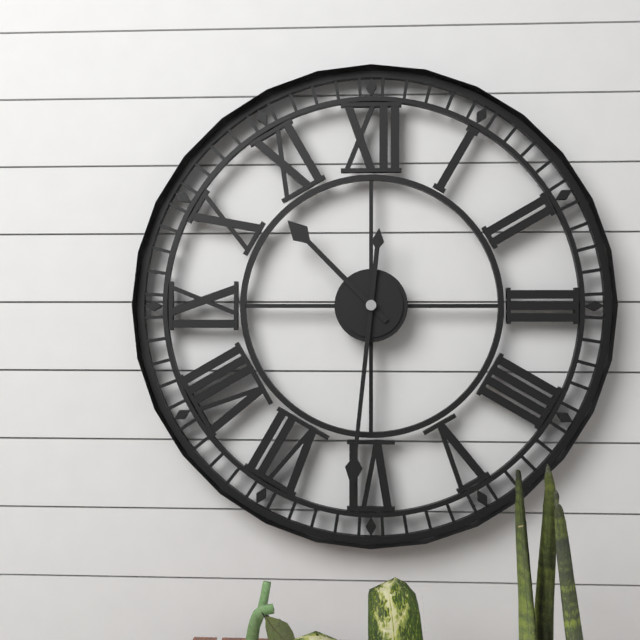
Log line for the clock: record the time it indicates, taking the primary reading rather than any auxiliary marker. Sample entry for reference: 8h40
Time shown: 10h31
